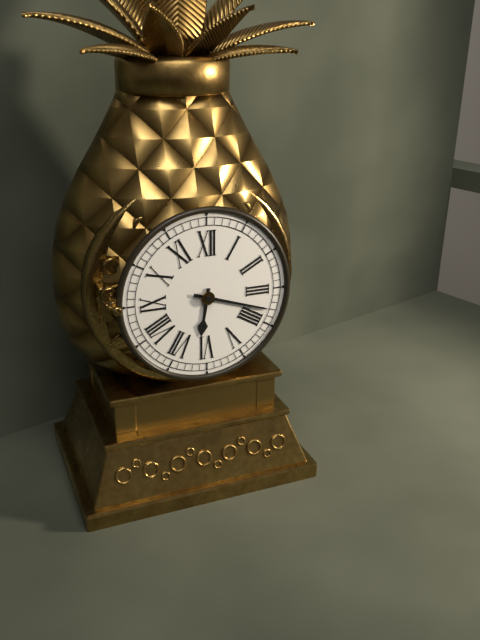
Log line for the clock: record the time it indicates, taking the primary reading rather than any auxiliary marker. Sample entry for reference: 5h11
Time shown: 6h18
